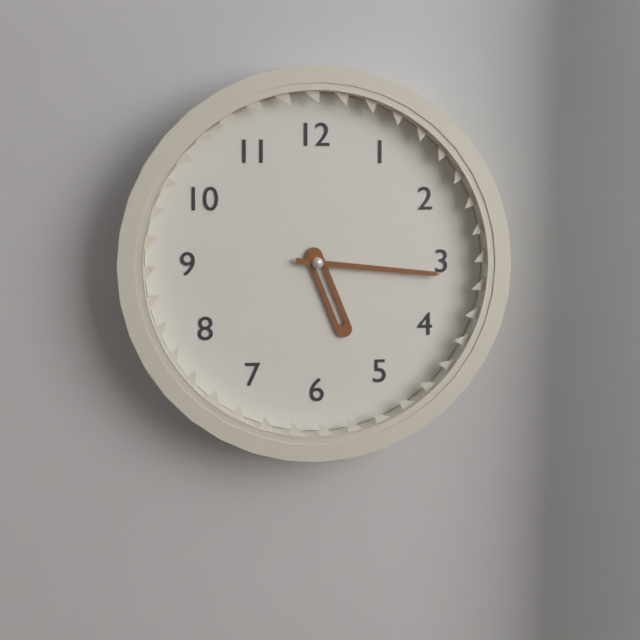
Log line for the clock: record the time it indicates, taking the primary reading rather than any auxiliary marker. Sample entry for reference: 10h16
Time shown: 5h16
